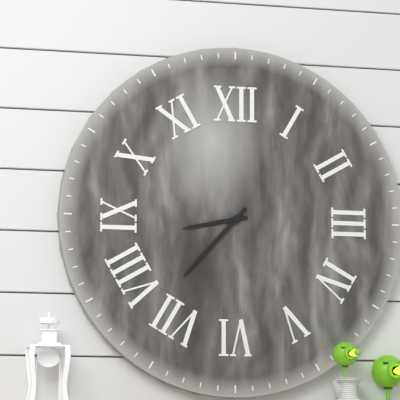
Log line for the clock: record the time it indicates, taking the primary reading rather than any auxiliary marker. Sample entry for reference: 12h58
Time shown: 8h37
